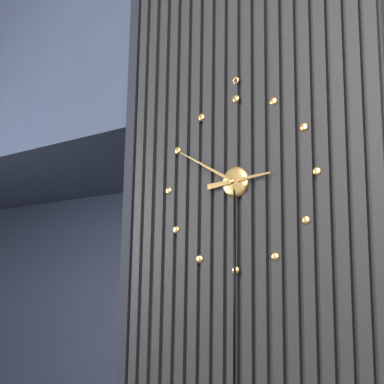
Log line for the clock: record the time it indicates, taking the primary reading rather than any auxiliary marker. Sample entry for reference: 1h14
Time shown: 2h50
